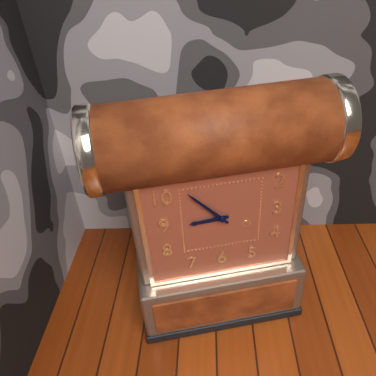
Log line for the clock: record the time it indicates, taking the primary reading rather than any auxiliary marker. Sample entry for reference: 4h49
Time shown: 8h53
